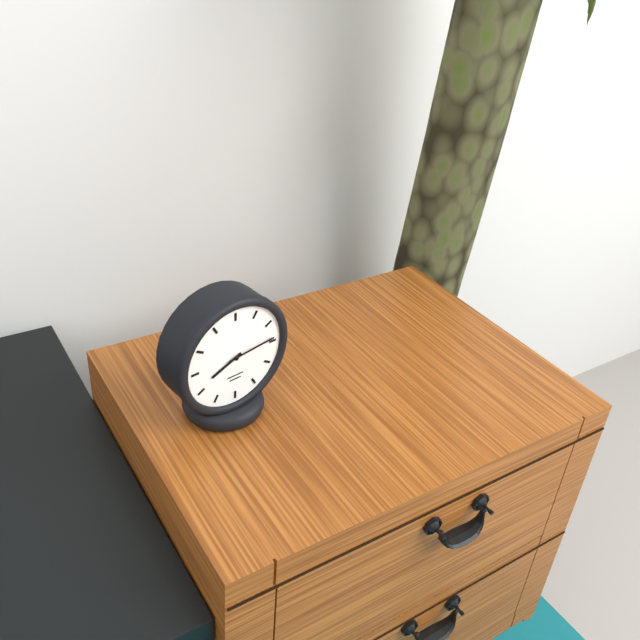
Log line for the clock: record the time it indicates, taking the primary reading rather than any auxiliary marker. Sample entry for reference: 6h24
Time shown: 8h14
